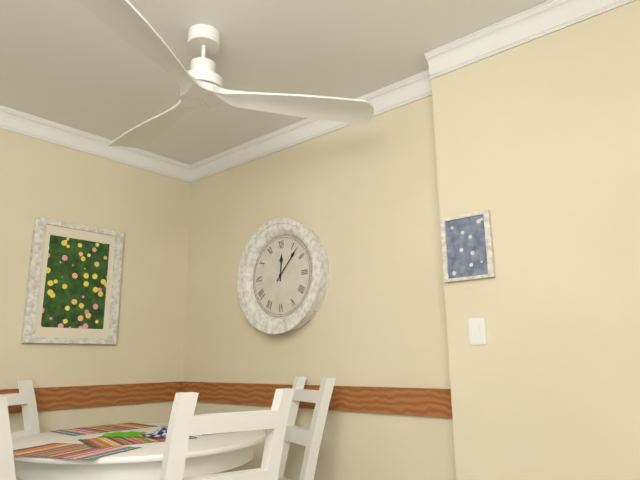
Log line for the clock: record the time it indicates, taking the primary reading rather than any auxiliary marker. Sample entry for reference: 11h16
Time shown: 12h07
